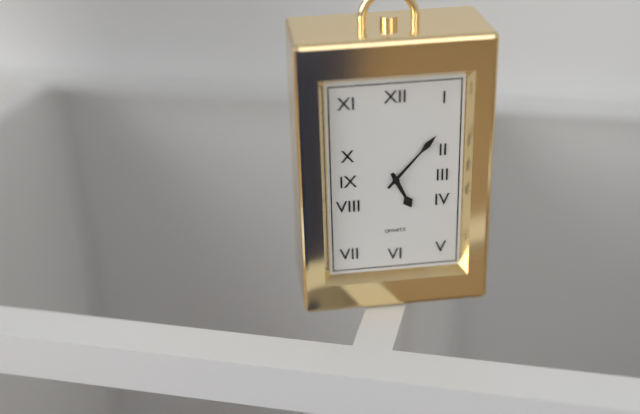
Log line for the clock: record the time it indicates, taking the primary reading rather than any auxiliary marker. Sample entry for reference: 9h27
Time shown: 5h07
